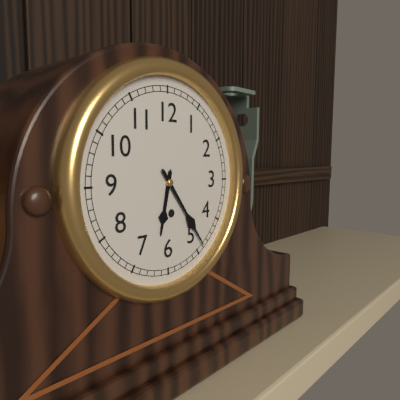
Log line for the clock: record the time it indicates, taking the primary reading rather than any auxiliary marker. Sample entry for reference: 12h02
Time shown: 6h24
